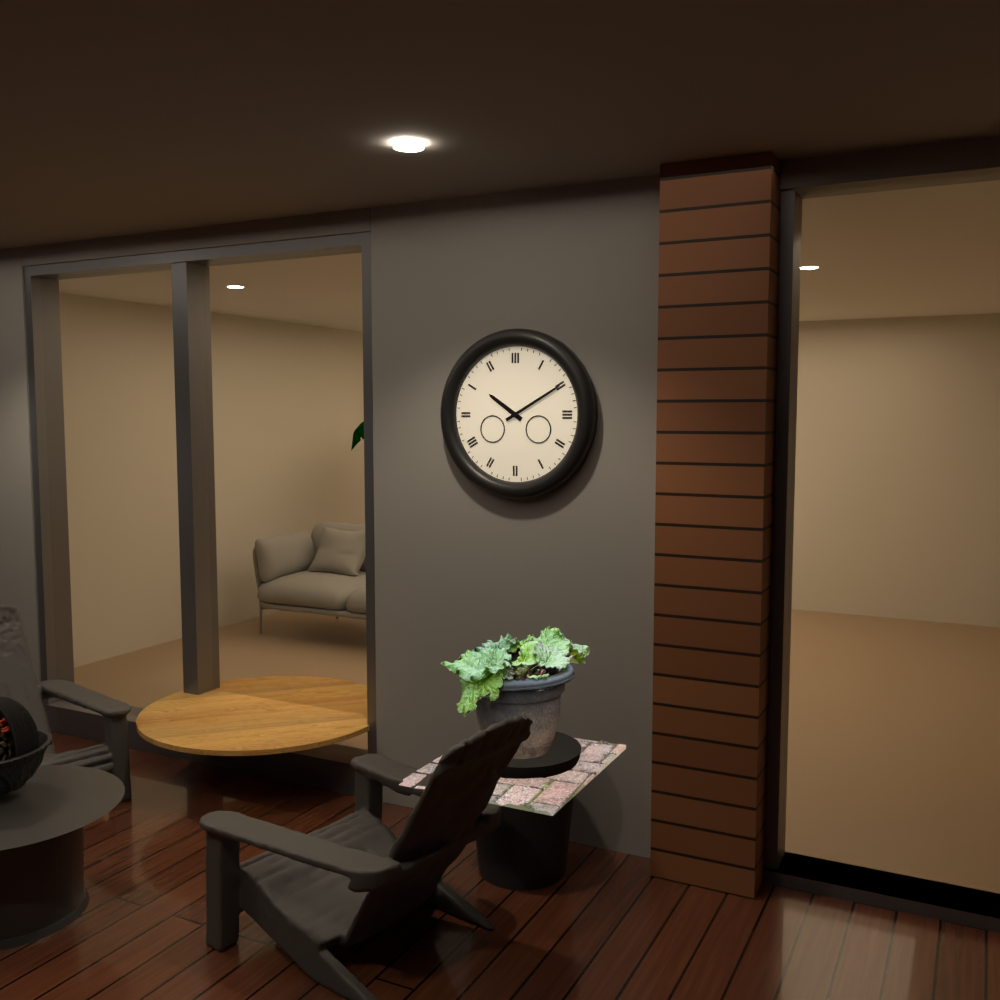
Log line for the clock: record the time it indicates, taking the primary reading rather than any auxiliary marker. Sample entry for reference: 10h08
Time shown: 10h10
